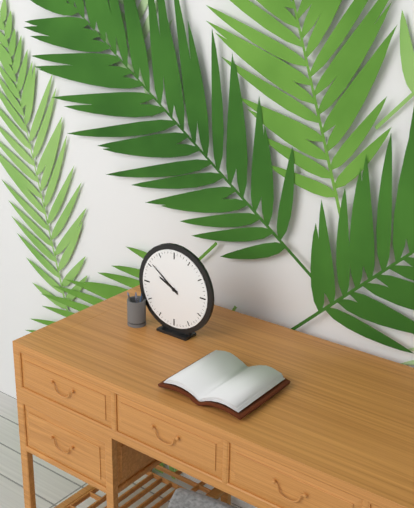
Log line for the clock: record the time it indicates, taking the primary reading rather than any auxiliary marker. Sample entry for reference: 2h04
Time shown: 9h51
